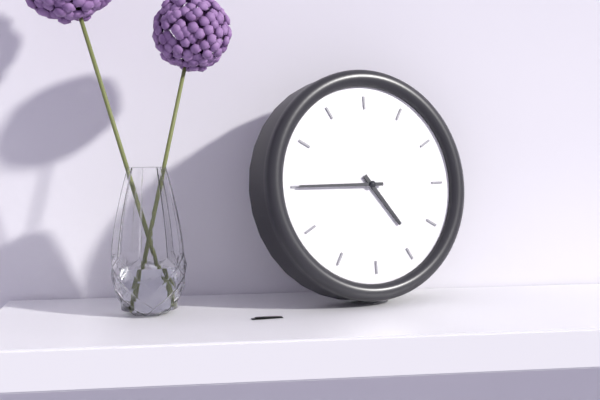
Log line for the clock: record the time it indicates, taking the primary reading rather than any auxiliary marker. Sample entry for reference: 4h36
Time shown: 4h45
